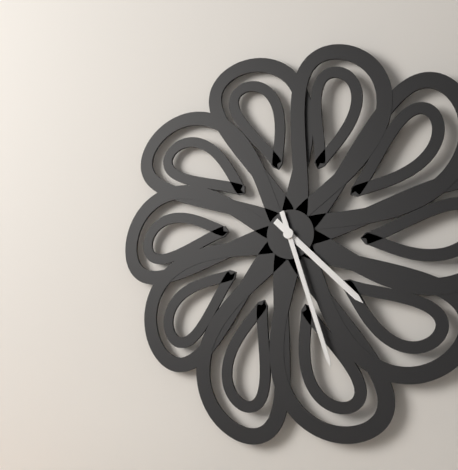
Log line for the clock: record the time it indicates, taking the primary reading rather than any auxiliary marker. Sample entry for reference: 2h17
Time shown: 4h27
